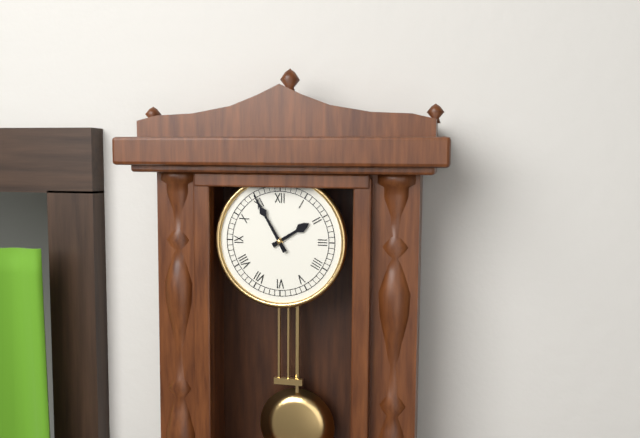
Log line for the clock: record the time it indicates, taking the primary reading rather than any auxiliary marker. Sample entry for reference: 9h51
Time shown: 1h55
